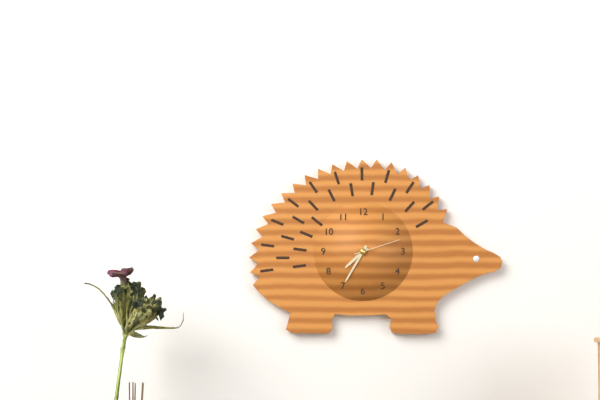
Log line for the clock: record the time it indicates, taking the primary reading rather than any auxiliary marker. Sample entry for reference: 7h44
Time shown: 7h35
